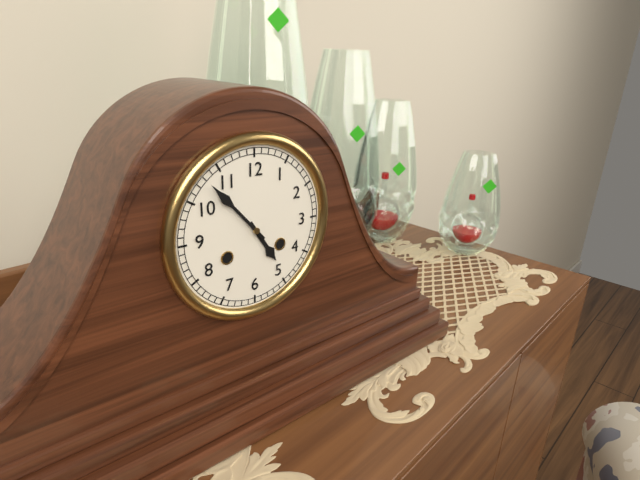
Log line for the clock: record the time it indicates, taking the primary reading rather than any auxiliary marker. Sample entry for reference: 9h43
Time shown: 4h53
